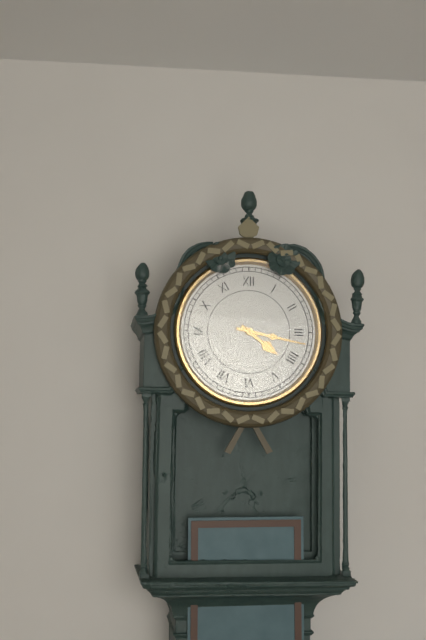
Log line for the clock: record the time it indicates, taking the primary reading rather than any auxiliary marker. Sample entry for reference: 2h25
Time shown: 4h17
